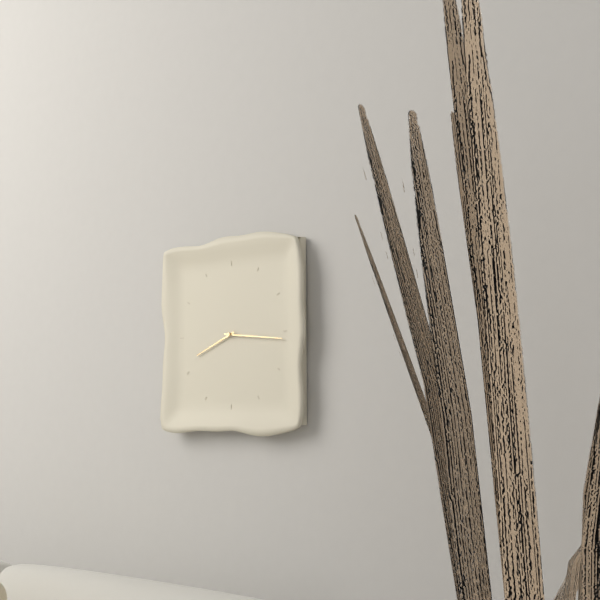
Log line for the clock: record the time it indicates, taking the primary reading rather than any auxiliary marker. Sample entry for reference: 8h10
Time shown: 8h16
